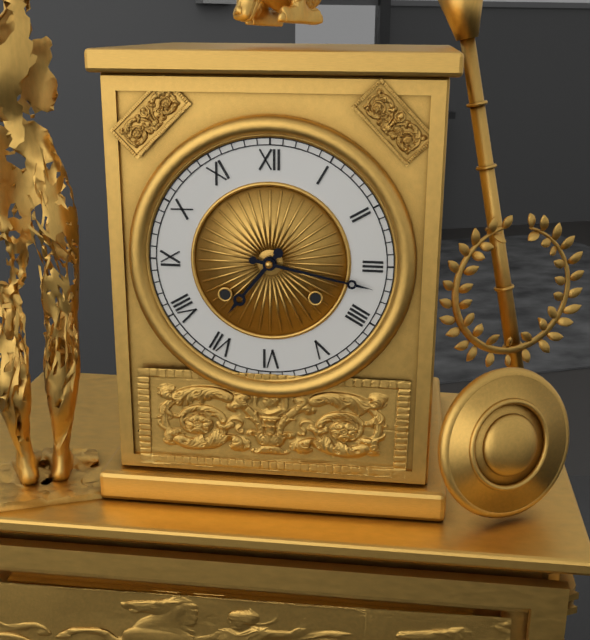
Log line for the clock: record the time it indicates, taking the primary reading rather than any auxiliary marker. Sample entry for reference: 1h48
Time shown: 7h17
